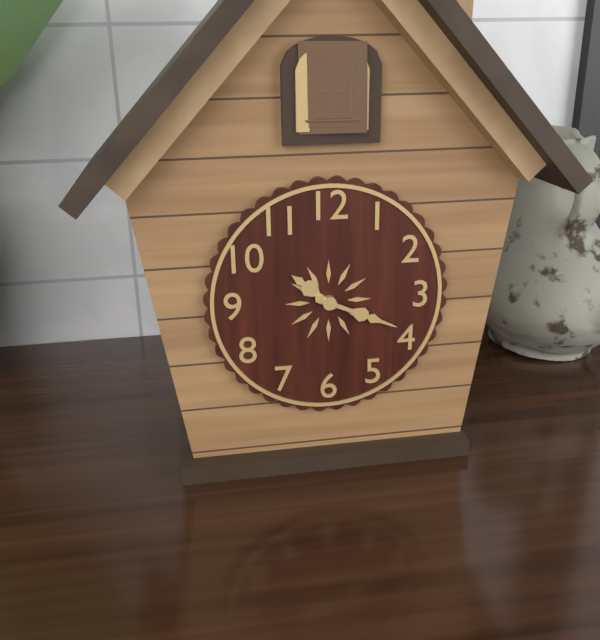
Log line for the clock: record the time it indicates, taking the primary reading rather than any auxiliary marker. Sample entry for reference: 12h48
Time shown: 10h19
